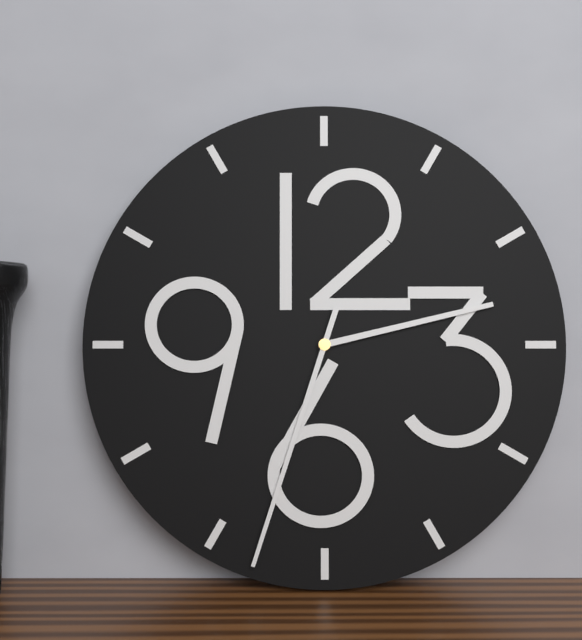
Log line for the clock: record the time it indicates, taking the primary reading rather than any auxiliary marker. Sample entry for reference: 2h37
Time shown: 2h33
